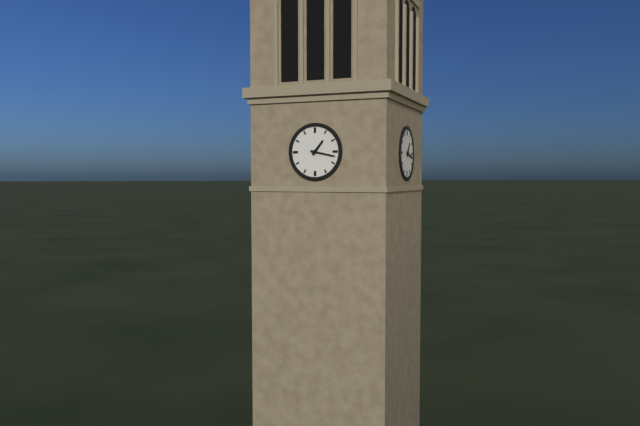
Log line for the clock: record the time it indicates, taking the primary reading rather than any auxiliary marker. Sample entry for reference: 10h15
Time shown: 1h17
